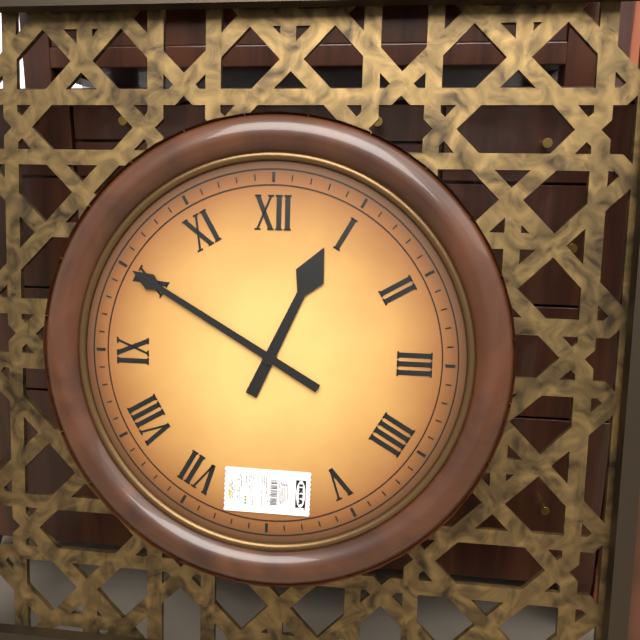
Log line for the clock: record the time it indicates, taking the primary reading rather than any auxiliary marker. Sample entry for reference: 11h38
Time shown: 12h50
